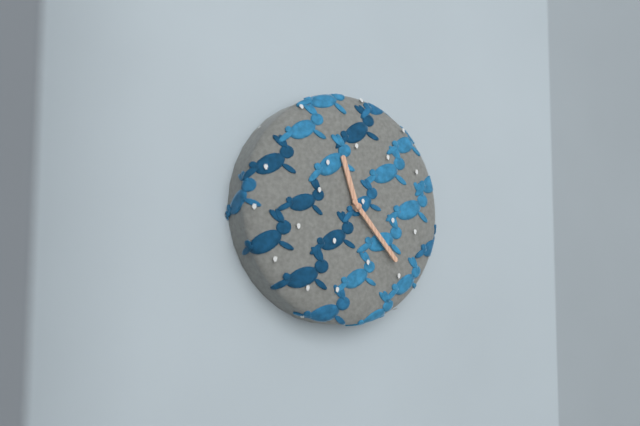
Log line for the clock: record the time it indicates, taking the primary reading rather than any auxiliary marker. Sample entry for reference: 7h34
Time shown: 11h23
